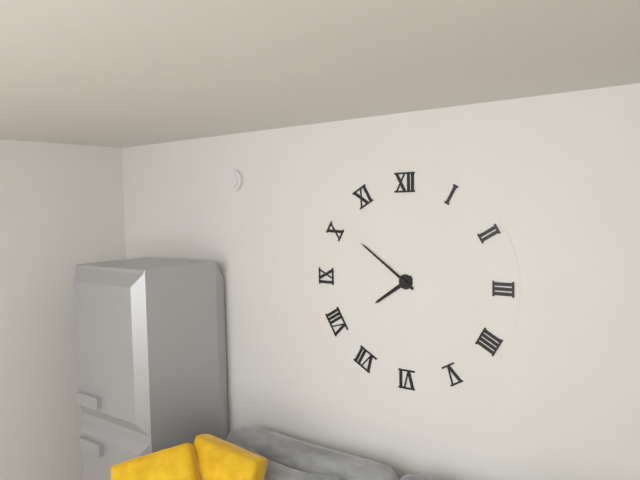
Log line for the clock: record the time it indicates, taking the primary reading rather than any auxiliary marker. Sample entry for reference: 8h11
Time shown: 7h51
